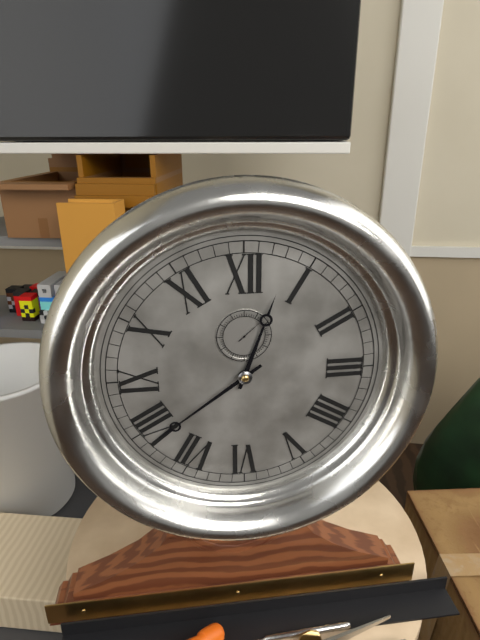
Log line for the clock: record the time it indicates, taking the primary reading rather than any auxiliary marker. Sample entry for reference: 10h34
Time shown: 12h39
